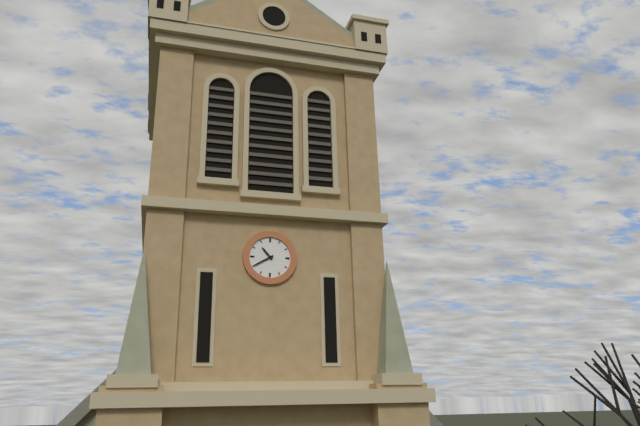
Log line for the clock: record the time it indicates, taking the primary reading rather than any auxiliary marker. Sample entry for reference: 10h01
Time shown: 10h40
